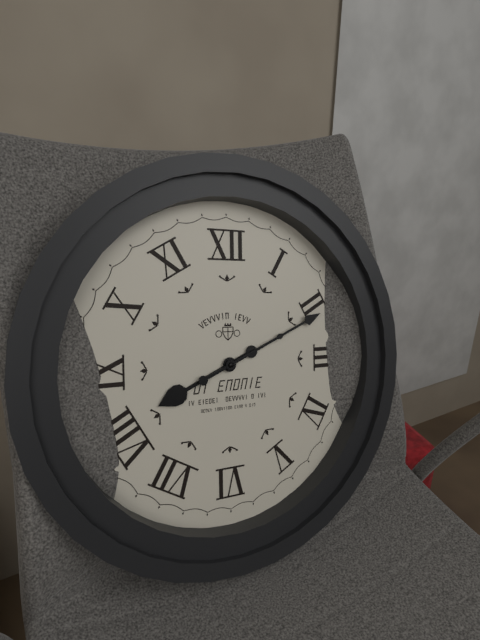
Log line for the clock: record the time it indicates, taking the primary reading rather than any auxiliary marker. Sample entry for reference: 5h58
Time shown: 8h11
